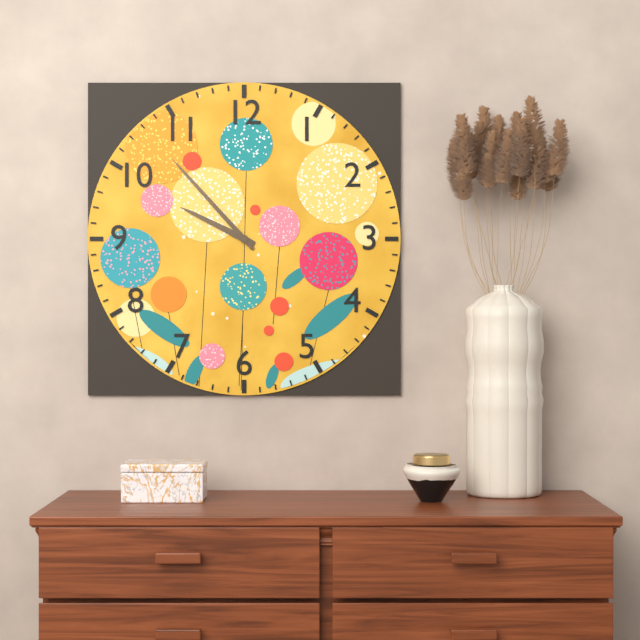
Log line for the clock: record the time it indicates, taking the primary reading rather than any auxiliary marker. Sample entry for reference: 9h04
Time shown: 9h53
